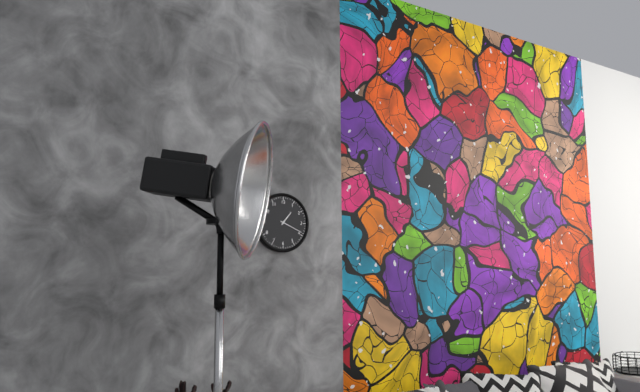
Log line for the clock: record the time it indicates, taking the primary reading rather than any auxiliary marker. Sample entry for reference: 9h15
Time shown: 1h19
